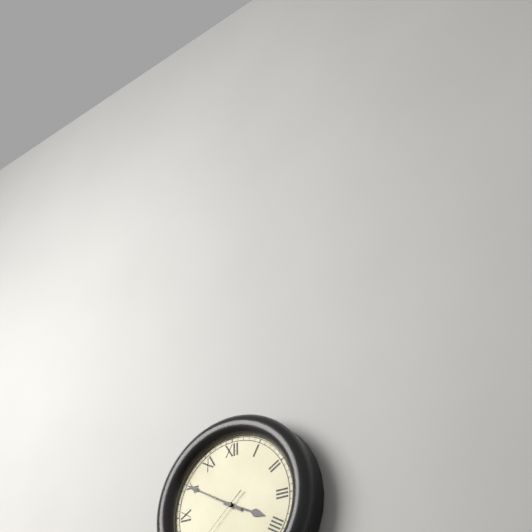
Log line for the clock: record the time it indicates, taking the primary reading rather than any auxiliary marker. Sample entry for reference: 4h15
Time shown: 3h50
